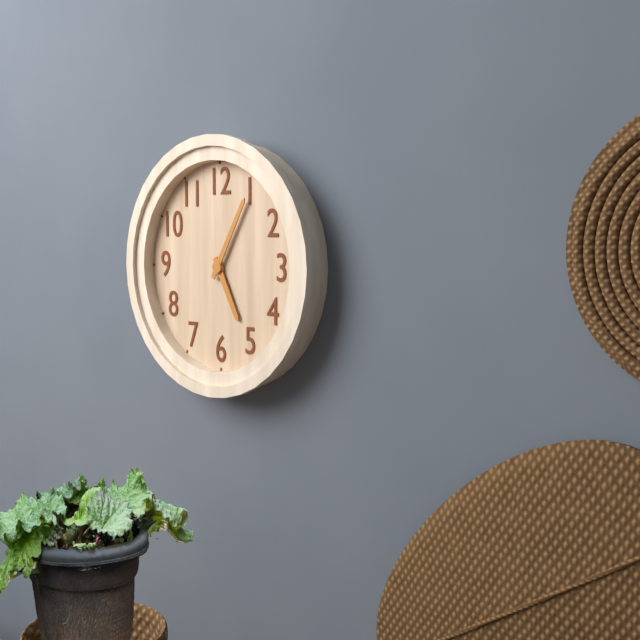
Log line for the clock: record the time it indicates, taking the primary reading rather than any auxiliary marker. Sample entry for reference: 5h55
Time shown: 5h05
